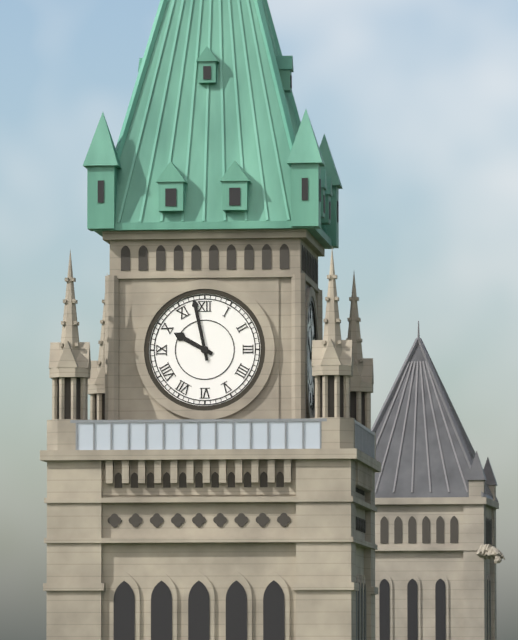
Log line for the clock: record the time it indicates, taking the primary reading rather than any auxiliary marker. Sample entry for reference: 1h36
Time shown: 9h58
